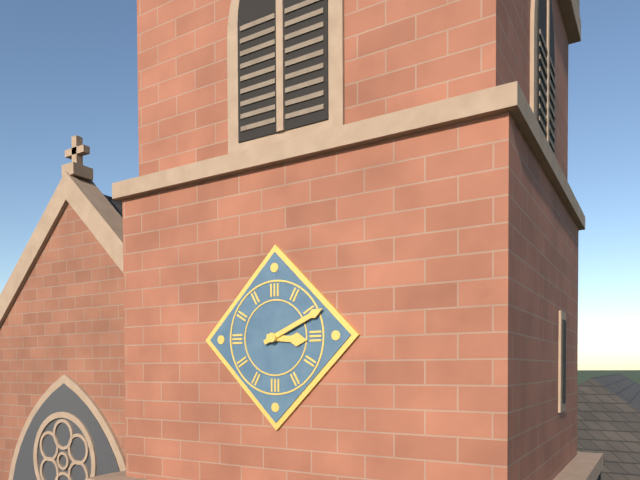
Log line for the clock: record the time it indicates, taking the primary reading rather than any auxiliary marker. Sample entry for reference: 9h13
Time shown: 3h11
